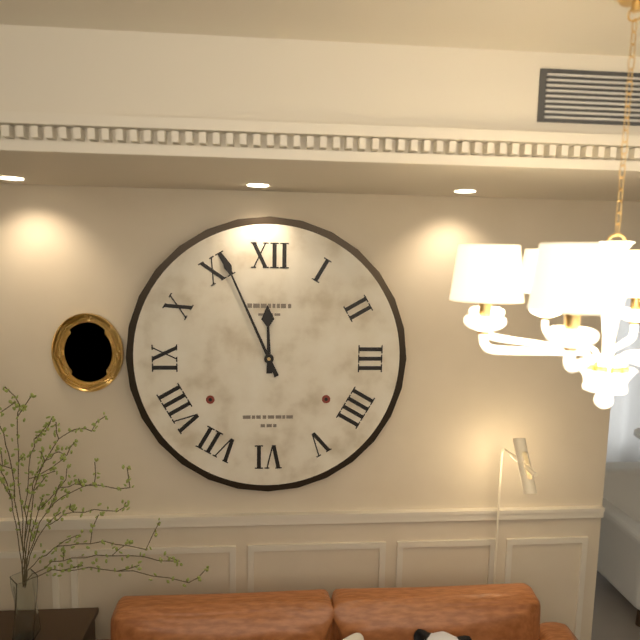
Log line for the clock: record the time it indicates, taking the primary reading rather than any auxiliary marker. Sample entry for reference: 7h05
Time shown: 11h56
